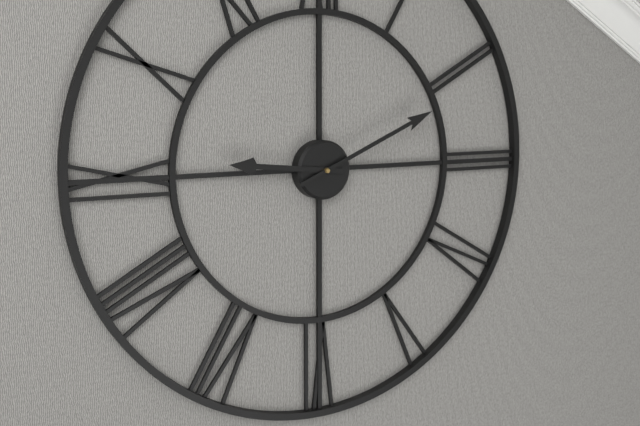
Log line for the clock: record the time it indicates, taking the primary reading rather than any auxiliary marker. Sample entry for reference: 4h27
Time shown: 9h11
